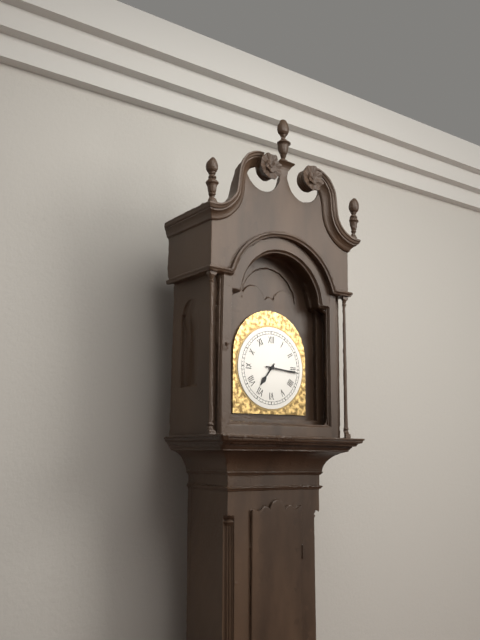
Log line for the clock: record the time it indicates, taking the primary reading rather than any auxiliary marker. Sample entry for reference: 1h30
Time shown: 7h16
